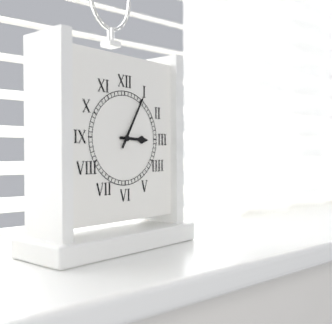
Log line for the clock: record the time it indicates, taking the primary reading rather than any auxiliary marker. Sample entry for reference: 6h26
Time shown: 3h05
